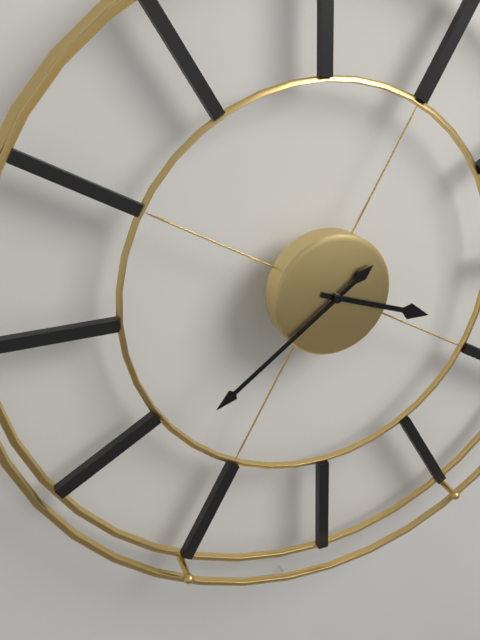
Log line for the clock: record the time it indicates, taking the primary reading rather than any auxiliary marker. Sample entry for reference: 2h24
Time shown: 3h39
